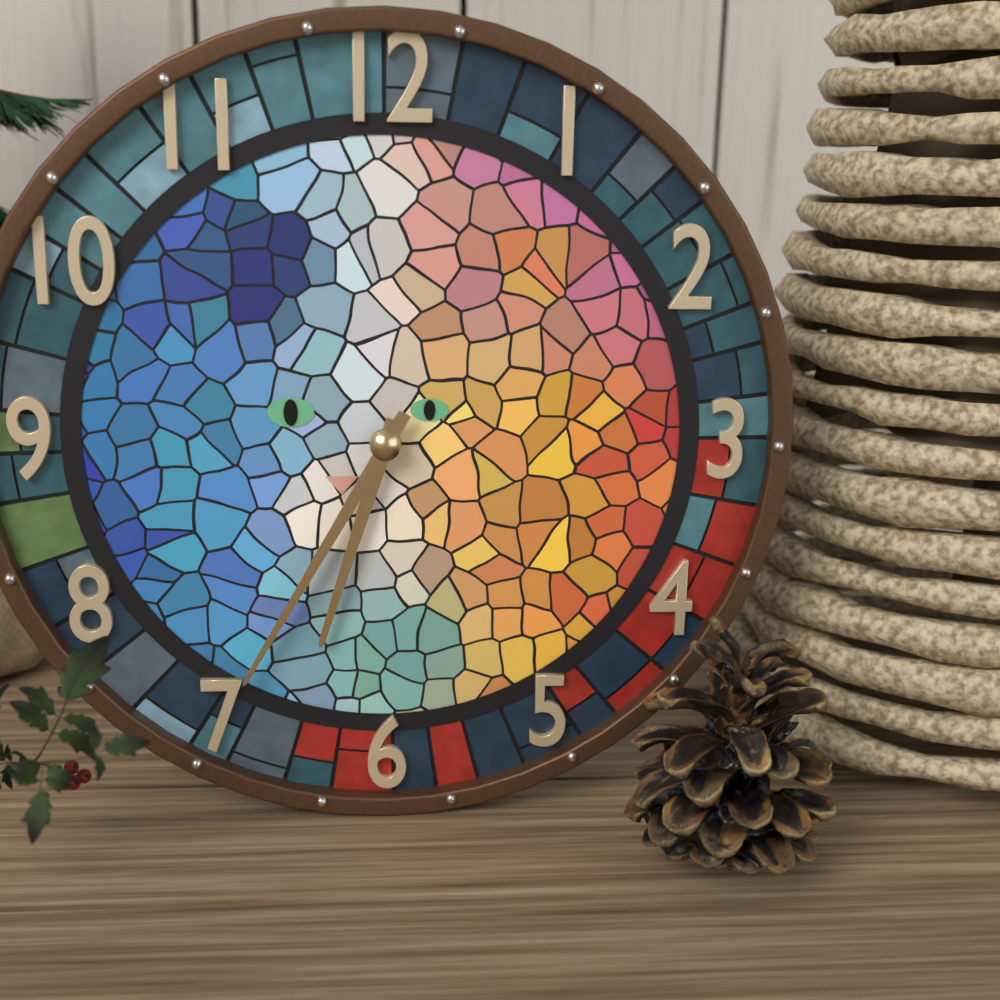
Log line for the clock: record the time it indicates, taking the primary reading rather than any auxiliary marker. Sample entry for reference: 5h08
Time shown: 6h35
